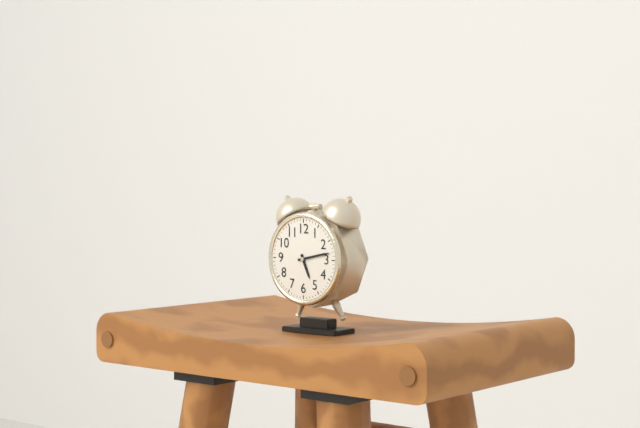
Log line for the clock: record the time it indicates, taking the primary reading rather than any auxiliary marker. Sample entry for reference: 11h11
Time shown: 5h13
